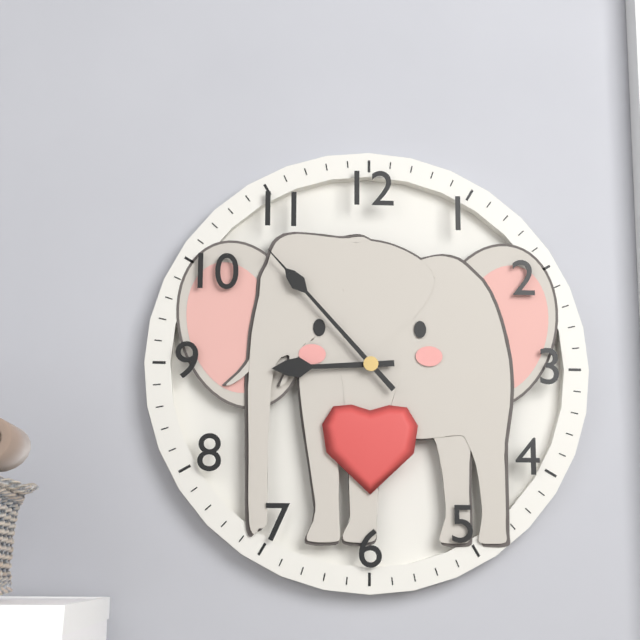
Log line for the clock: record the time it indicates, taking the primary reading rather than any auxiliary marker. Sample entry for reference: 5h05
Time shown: 8h53
